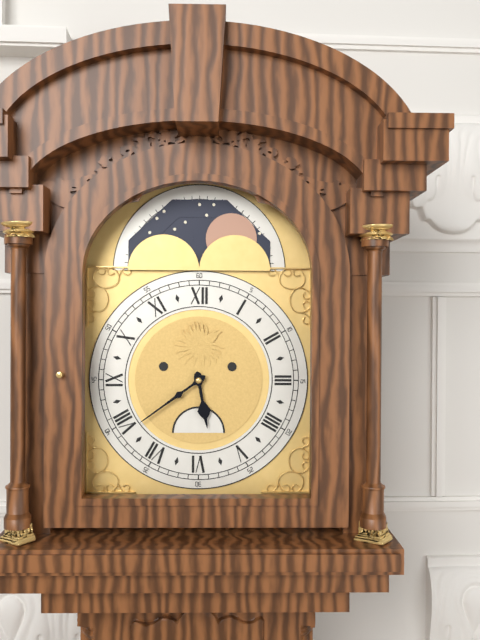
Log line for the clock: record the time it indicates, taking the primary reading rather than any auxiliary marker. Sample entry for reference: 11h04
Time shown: 5h39
